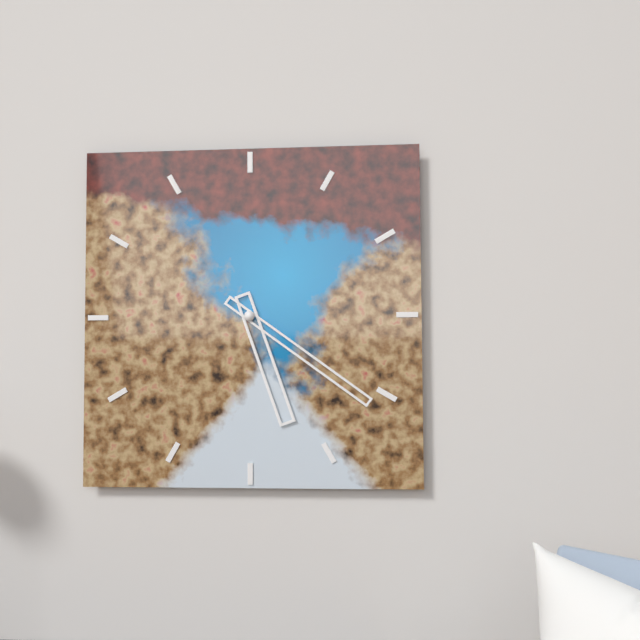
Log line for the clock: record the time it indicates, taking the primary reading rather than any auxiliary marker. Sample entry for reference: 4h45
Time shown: 5h21
